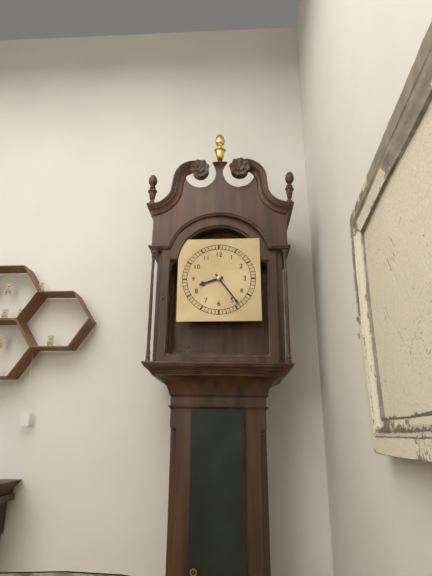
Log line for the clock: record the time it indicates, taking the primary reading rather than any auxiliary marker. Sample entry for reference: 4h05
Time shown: 8h24
